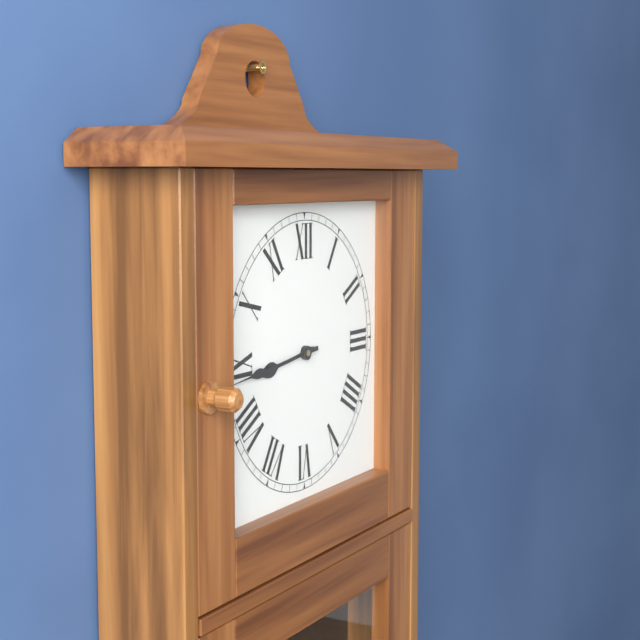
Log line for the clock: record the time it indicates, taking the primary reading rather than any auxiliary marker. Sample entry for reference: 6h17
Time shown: 8h44
